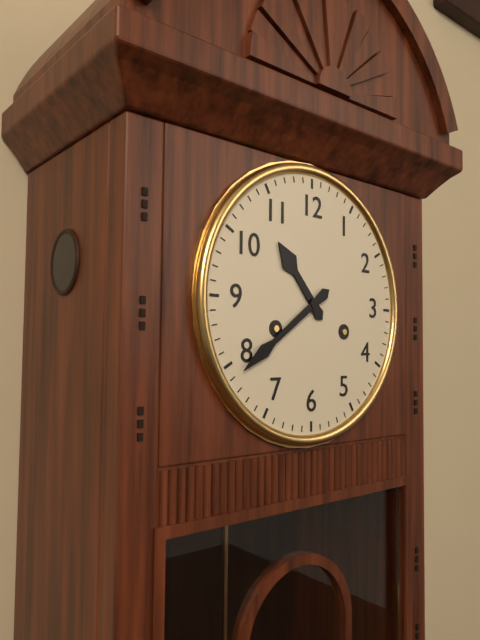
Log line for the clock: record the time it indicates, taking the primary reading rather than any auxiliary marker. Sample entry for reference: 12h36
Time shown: 10h39
